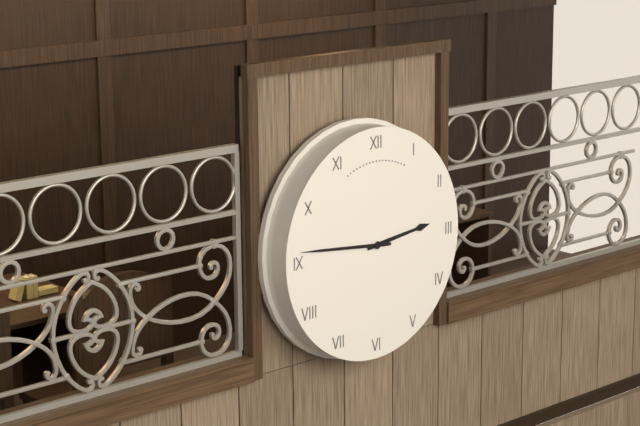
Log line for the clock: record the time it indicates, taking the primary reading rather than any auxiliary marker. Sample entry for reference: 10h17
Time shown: 2h46
